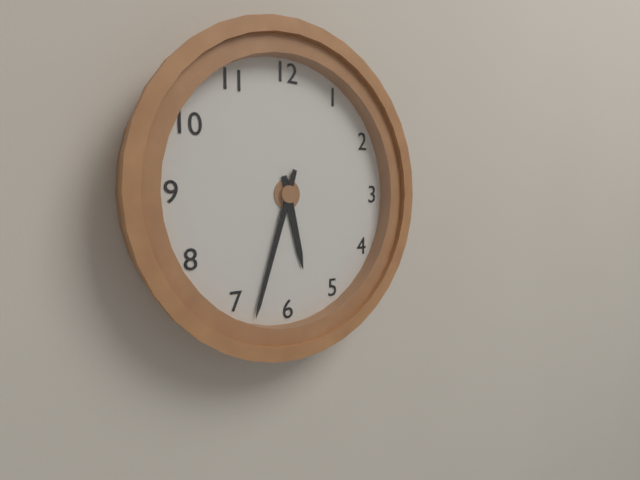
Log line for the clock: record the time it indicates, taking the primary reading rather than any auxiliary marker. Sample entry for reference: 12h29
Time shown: 5h33
